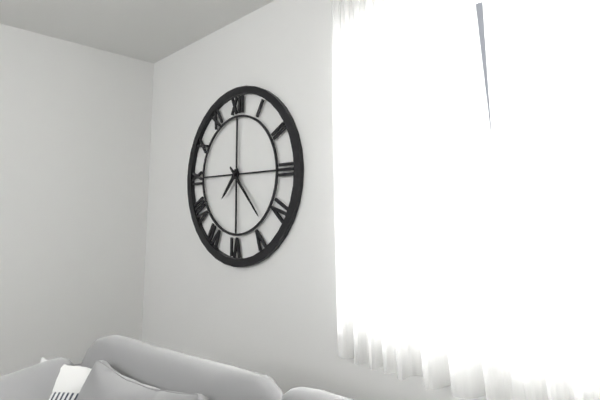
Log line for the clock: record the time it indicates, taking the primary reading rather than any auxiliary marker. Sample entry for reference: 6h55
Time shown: 7h23
